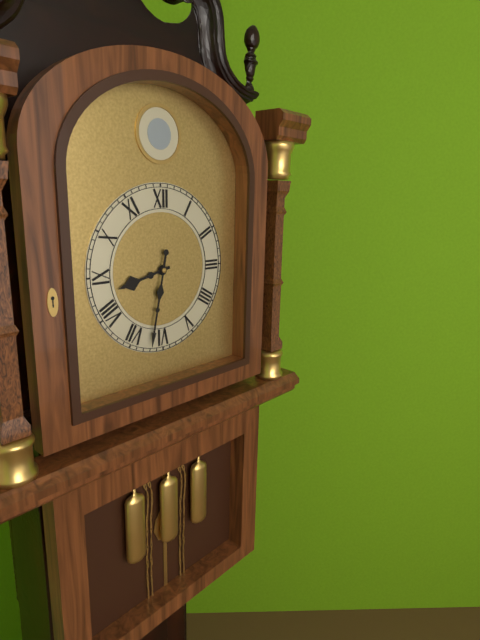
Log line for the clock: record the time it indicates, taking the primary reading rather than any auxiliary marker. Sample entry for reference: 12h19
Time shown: 8h32
